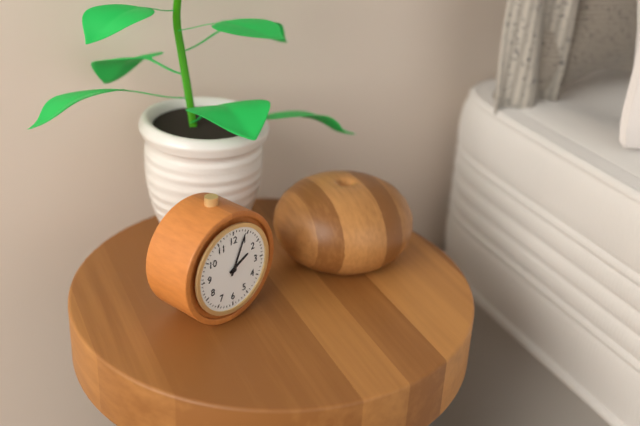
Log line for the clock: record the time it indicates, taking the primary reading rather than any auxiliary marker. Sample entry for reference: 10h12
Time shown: 2h04
